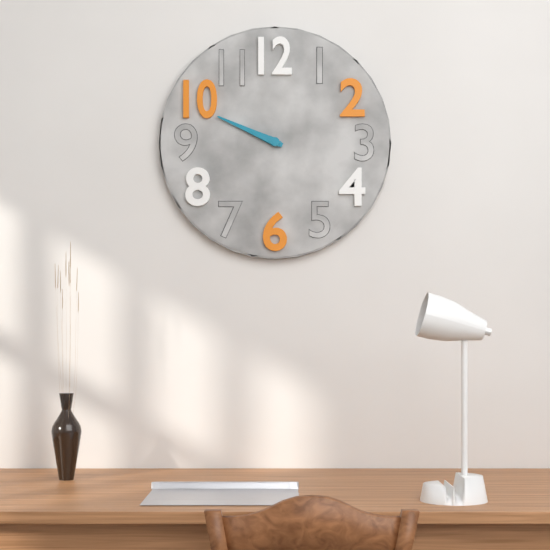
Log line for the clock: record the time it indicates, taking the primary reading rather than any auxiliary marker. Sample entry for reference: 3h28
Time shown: 9h49
